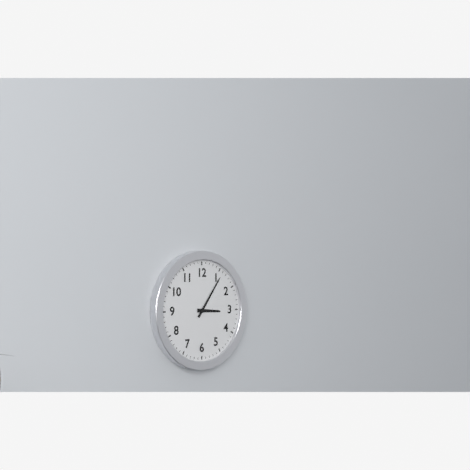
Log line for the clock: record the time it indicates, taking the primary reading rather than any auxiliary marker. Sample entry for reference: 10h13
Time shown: 3h06
